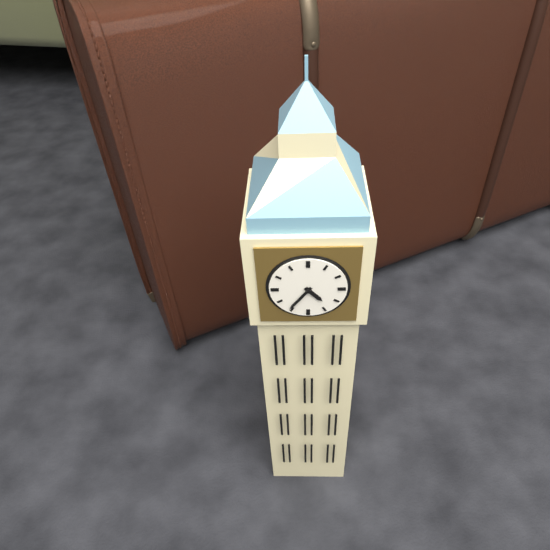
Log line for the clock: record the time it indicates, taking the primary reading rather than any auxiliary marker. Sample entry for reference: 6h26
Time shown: 4h36
